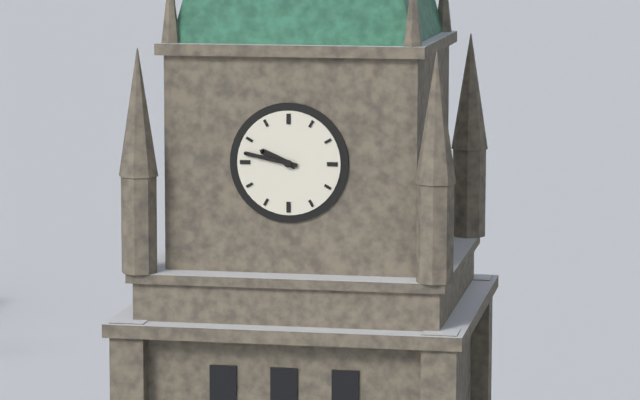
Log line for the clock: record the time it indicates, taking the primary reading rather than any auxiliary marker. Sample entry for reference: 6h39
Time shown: 9h47
